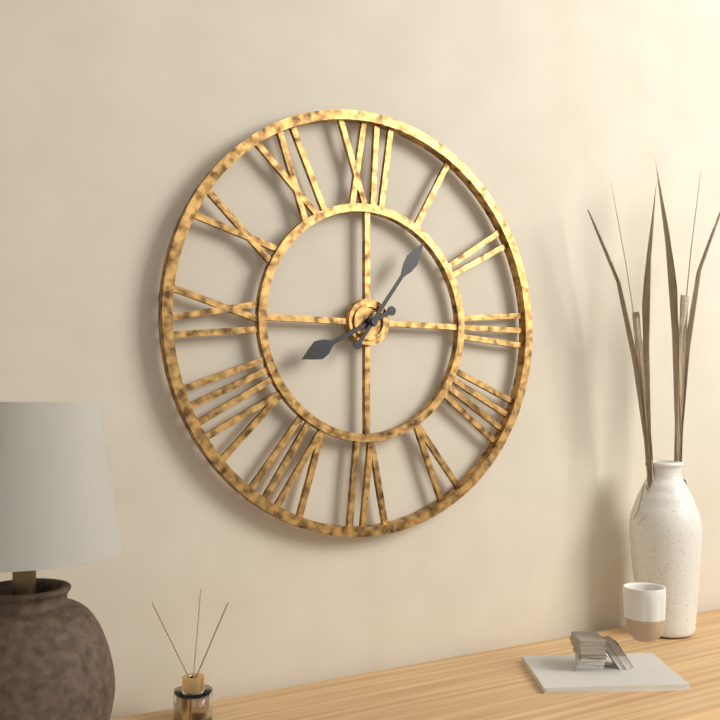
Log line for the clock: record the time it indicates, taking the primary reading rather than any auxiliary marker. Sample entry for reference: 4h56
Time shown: 8h06
